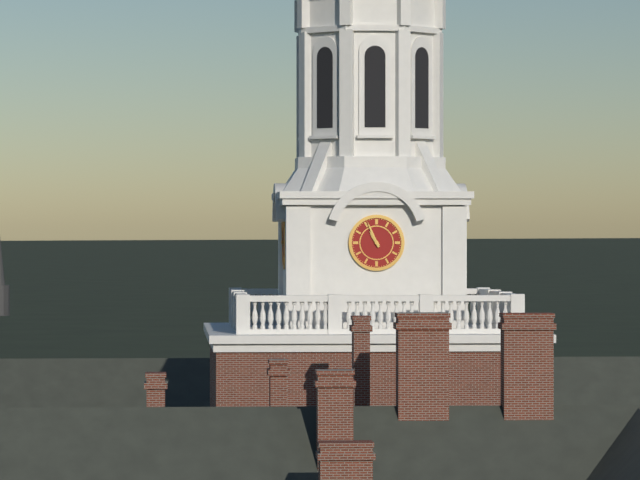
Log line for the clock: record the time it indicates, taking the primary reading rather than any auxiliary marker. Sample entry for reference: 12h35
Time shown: 10h56
